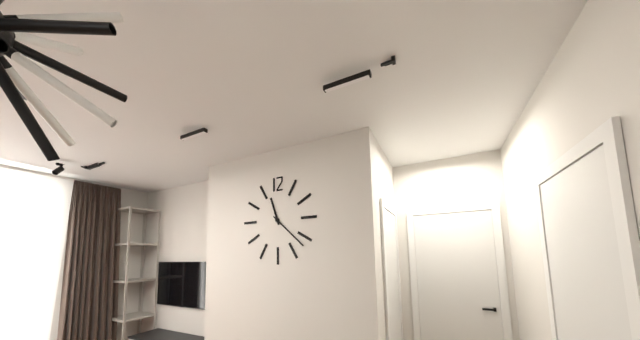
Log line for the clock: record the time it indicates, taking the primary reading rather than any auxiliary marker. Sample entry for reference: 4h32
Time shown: 11h22
